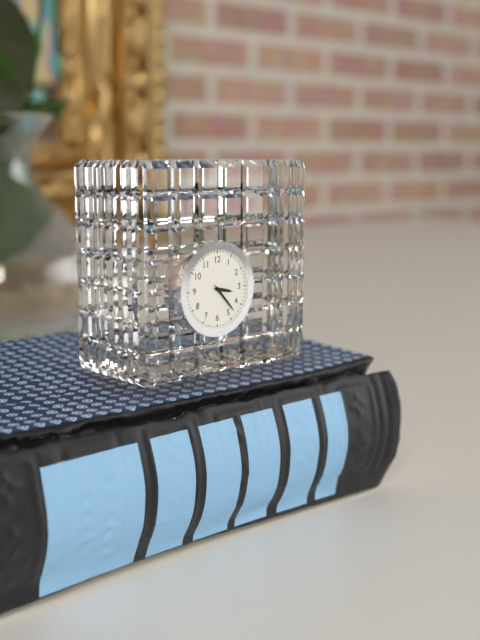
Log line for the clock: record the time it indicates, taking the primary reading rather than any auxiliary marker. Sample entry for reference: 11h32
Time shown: 3h23
